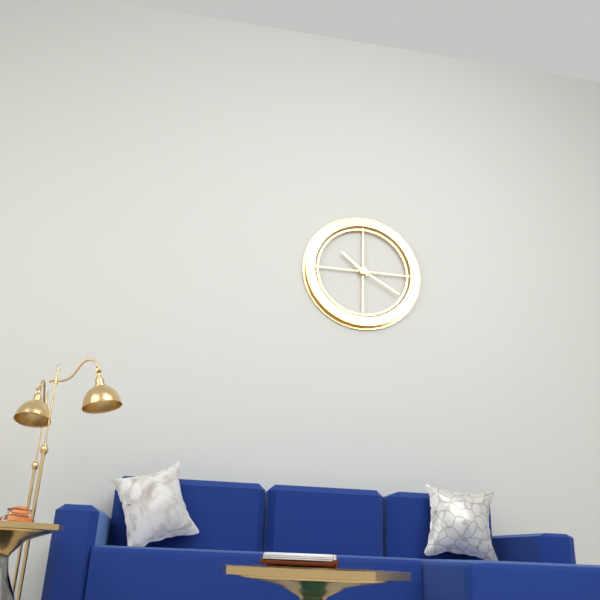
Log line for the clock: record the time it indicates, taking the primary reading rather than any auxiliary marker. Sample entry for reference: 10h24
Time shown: 10h20
